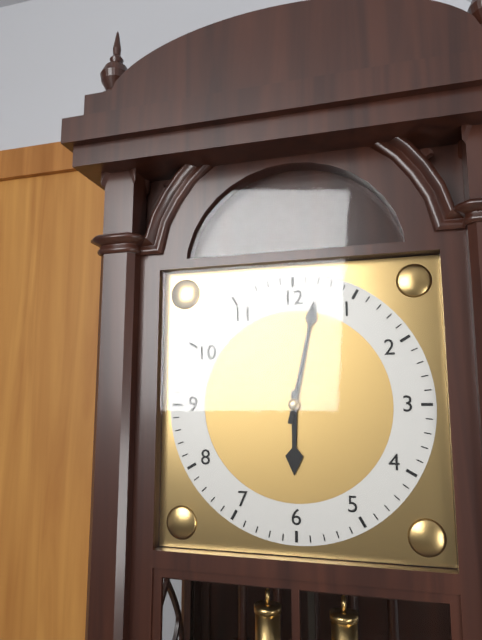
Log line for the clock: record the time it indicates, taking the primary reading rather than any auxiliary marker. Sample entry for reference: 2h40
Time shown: 6h02
